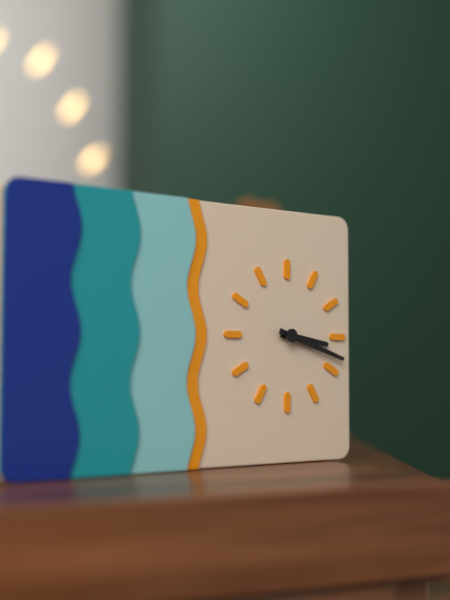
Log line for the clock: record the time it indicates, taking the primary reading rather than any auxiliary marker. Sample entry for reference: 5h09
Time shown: 3h18
